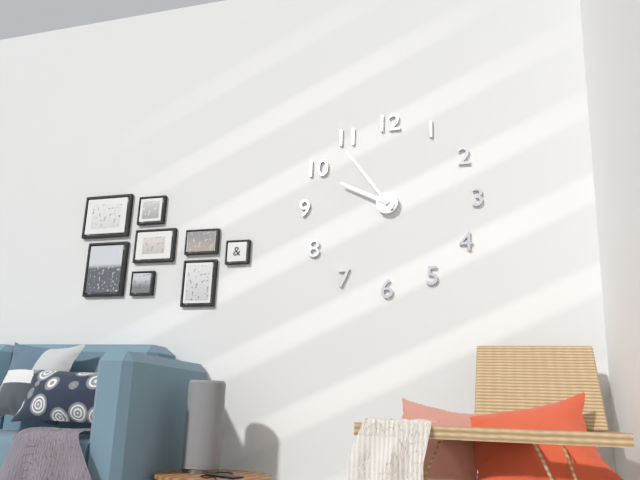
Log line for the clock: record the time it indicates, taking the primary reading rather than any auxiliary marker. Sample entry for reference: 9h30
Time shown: 9h54
